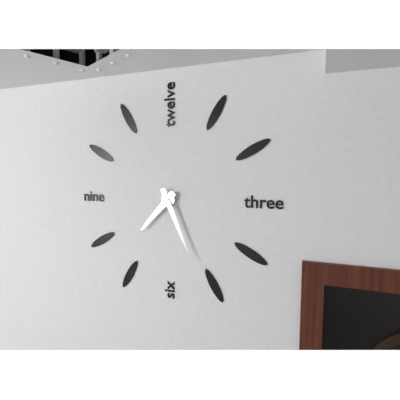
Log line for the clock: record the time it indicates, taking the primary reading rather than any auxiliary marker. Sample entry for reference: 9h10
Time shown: 7h26
